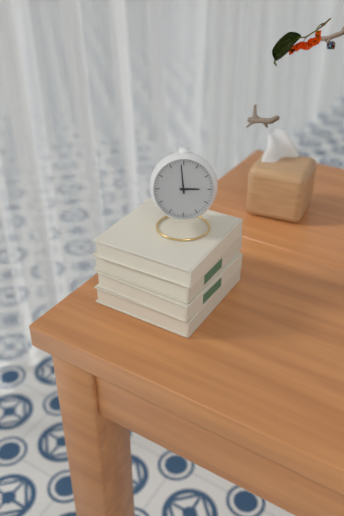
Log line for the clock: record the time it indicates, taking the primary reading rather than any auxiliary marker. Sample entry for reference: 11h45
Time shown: 2h59
